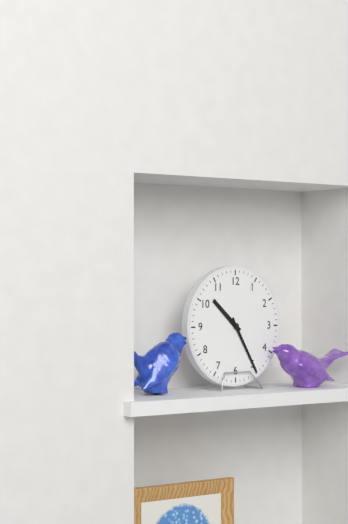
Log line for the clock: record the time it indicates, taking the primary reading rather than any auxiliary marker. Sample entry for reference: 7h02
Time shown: 10h25
